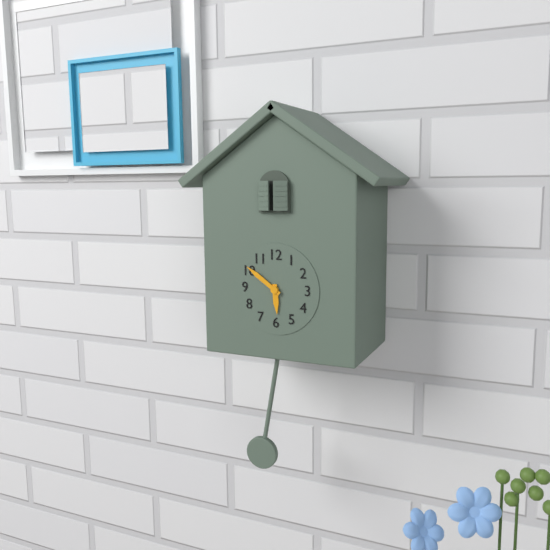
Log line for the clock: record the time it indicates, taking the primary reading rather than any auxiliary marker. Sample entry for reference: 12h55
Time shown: 5h51
